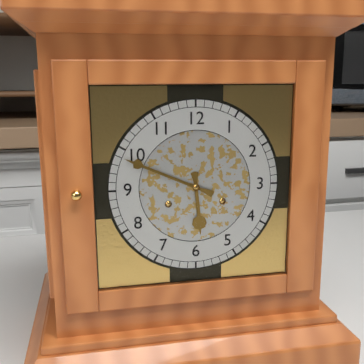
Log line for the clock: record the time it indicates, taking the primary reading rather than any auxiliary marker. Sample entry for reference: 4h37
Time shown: 5h49
